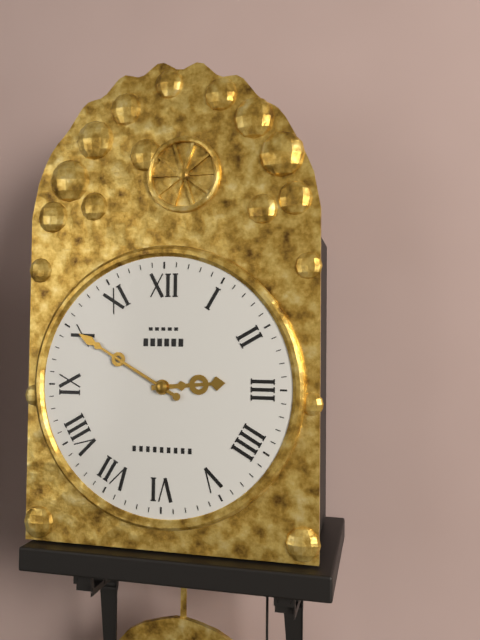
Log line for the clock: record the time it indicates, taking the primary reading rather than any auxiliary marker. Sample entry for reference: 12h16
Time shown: 2h50
